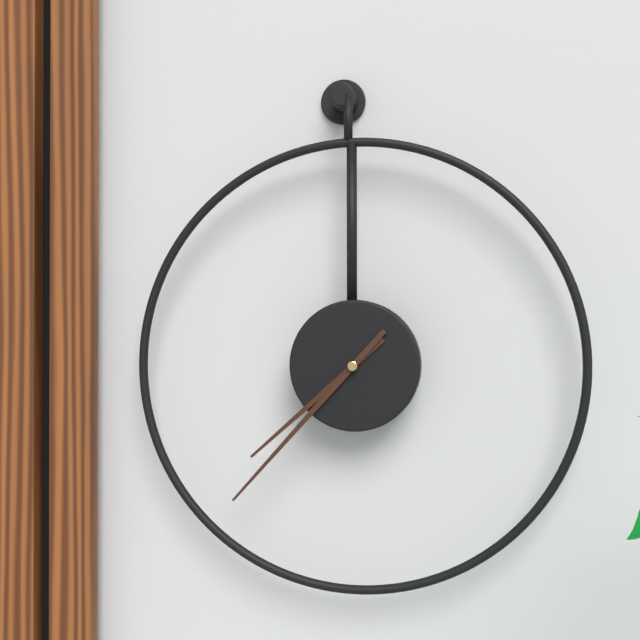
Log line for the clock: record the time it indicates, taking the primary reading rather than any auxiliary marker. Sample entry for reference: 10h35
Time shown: 7h37
